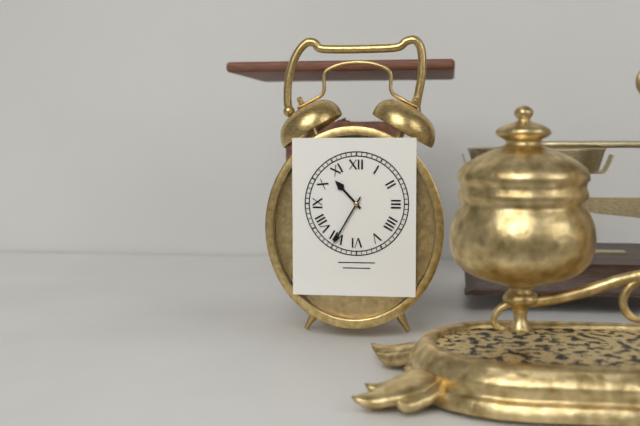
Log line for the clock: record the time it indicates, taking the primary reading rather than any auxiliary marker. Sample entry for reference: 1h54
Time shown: 10h35
